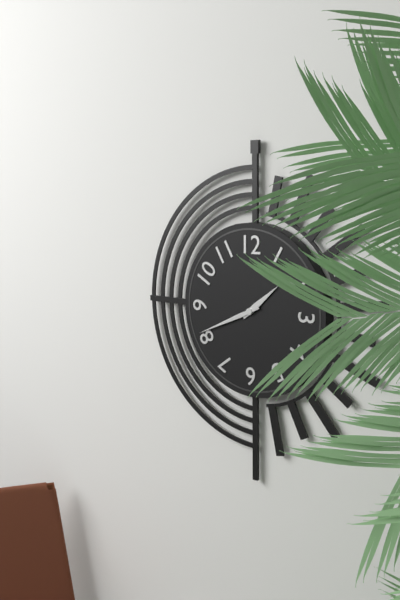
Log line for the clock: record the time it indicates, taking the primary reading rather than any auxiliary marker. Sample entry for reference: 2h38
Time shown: 1h41
